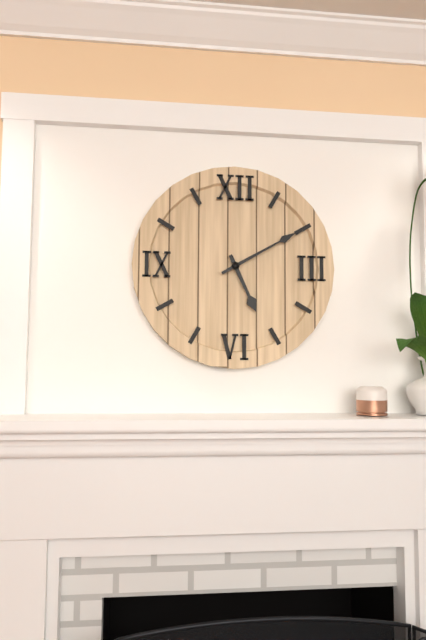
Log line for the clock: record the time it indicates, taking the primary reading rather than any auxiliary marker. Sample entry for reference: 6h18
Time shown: 5h10
